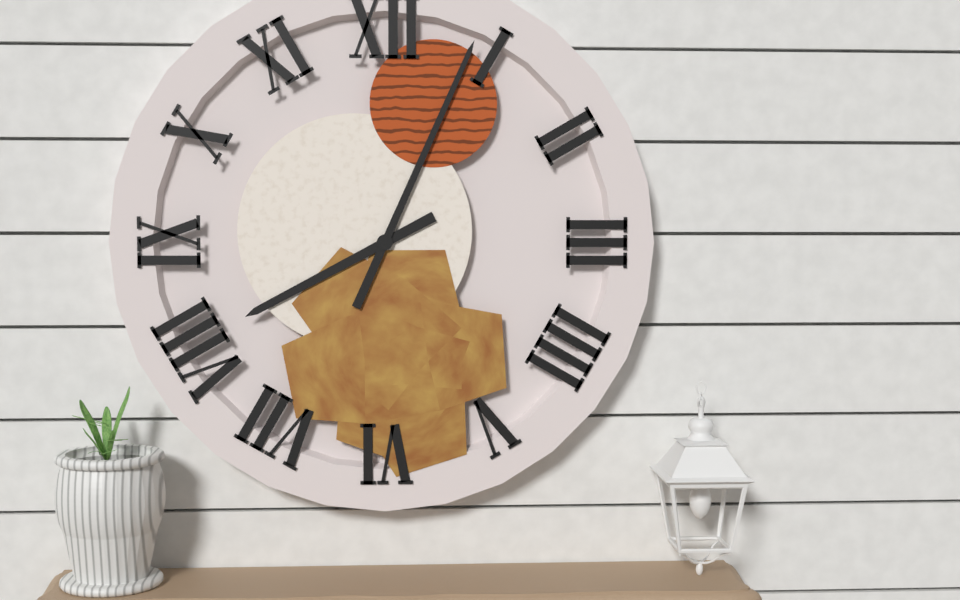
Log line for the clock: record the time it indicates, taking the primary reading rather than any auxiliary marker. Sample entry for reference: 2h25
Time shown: 8h04
